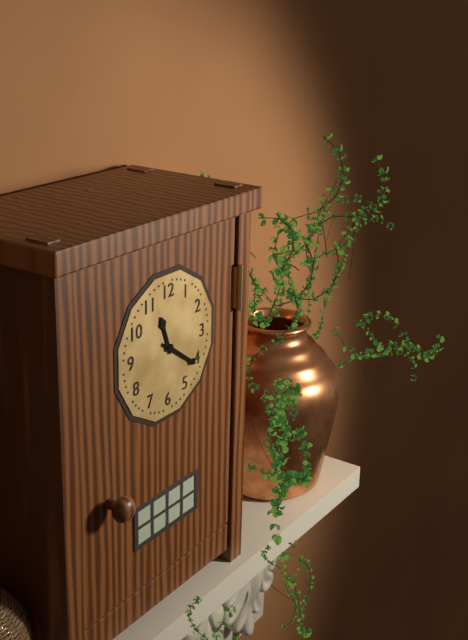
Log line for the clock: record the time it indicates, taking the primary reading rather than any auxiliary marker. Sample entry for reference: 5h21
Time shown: 11h21
